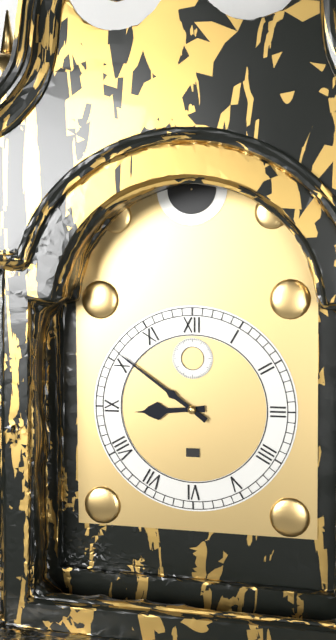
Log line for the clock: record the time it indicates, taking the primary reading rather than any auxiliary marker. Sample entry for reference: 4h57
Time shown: 8h51
